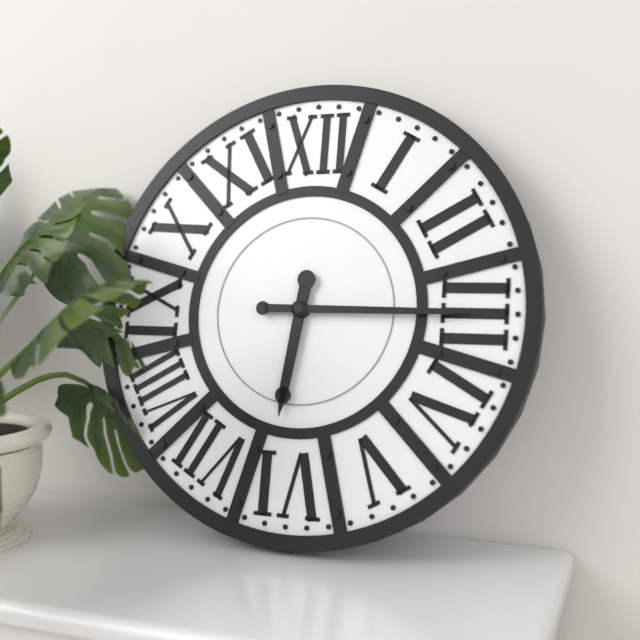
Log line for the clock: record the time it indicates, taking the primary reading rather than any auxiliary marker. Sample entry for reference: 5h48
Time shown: 6h15
